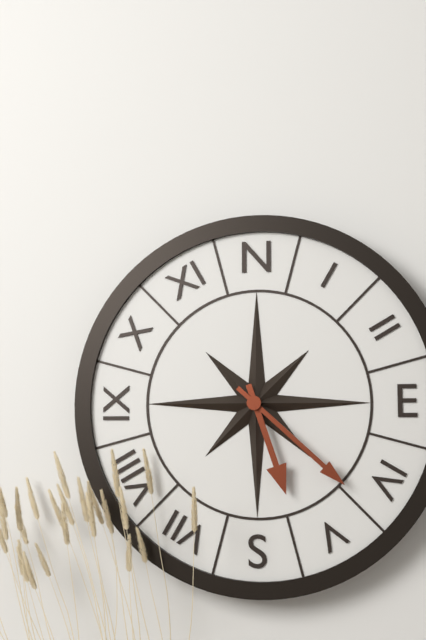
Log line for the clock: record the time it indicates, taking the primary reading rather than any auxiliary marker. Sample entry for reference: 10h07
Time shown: 5h22
